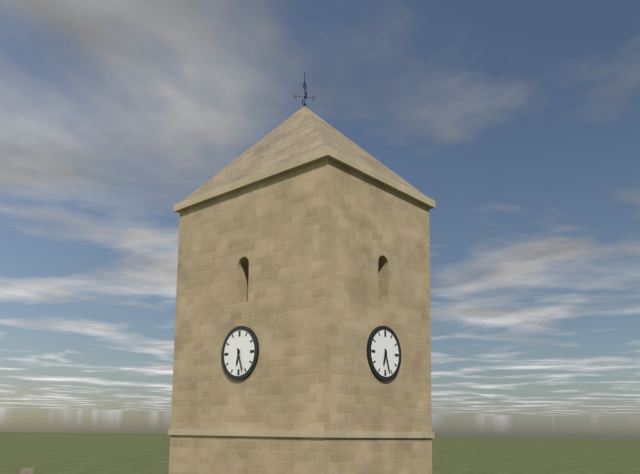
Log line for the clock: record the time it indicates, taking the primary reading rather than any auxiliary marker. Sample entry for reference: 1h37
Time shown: 6h27
